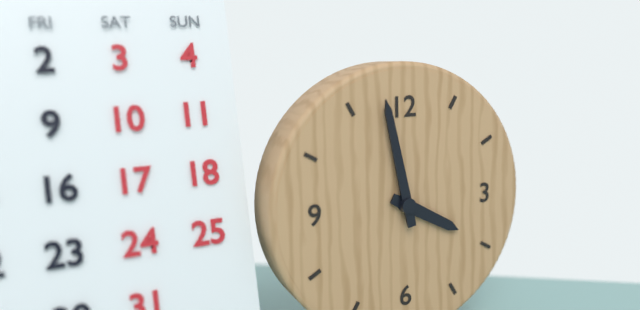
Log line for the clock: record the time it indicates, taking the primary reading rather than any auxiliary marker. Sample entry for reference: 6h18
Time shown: 3h58
